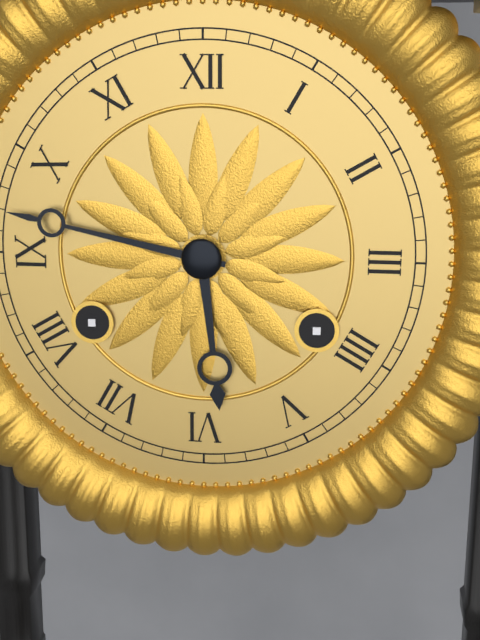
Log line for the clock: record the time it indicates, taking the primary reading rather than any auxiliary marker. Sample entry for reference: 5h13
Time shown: 5h47
